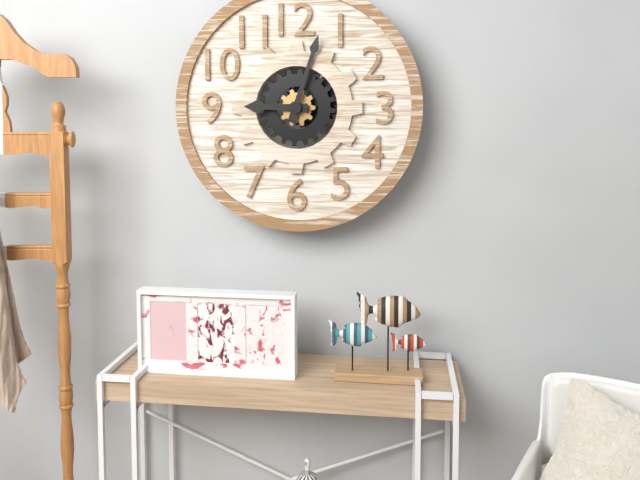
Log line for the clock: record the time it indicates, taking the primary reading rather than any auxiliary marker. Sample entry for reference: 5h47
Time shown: 9h03
